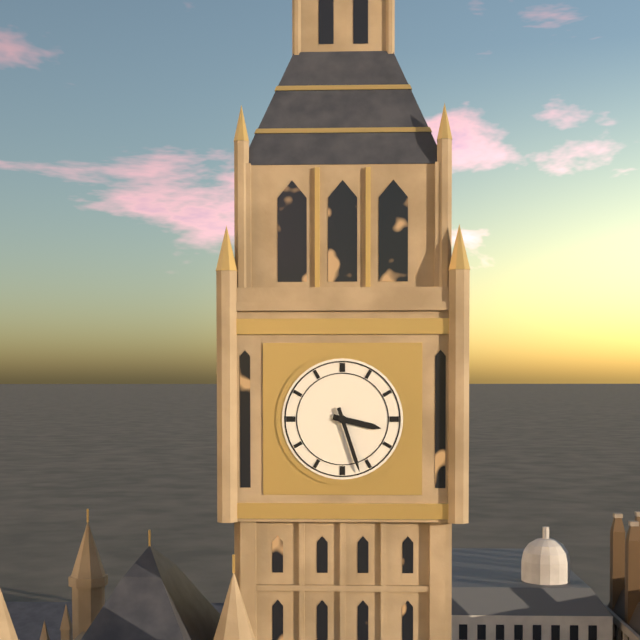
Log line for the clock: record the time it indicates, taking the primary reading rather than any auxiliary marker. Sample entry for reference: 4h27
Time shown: 3h27
